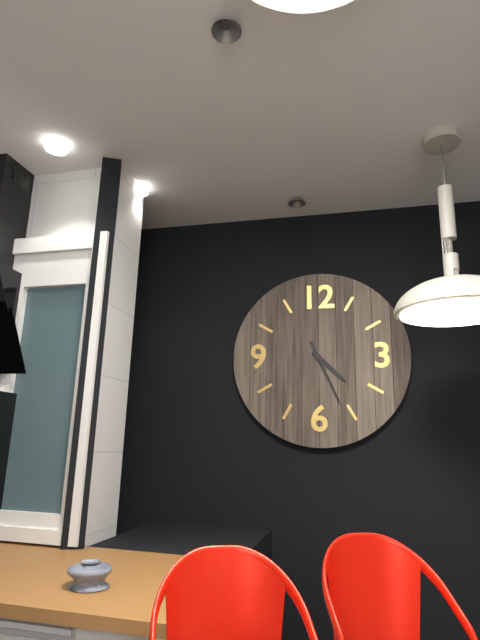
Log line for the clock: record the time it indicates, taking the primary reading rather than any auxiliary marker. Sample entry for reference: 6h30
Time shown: 4h26
